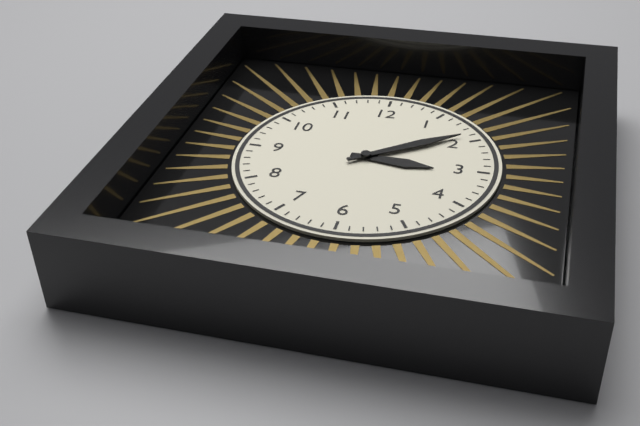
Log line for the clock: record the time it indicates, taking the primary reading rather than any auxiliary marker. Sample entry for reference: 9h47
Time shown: 3h09
